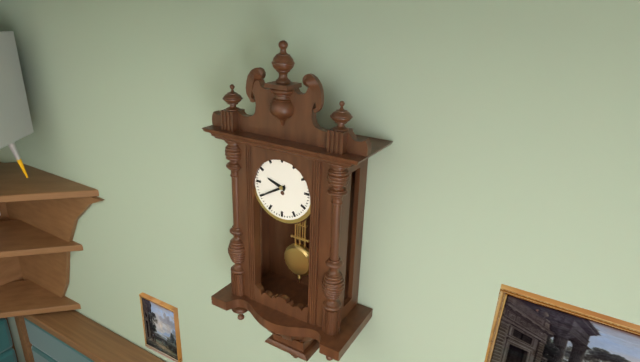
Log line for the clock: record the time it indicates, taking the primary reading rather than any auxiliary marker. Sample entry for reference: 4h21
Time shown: 9h40
